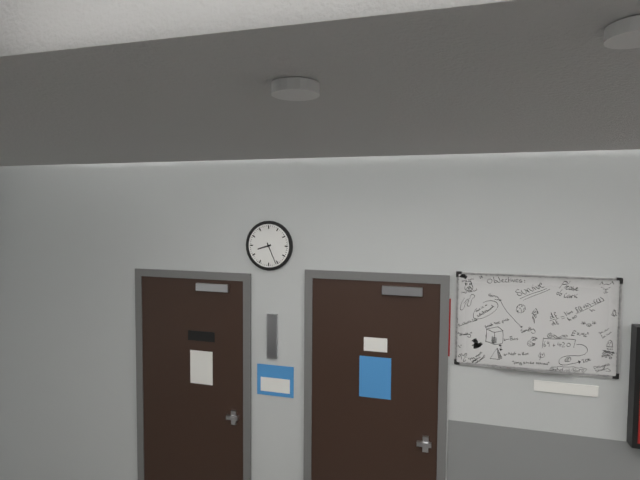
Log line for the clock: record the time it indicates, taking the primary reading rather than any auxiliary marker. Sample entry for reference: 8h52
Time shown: 8h26
